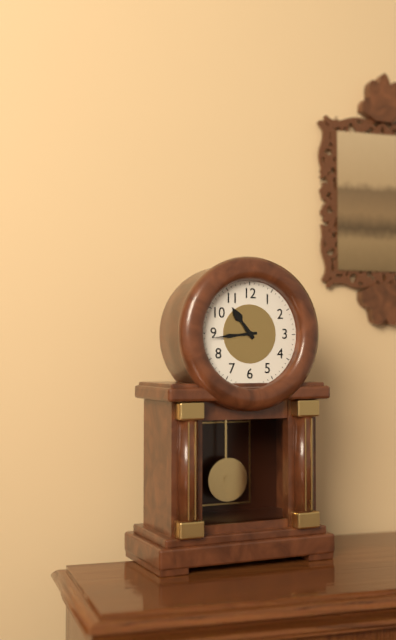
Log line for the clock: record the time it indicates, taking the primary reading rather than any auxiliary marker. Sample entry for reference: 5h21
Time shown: 10h44
